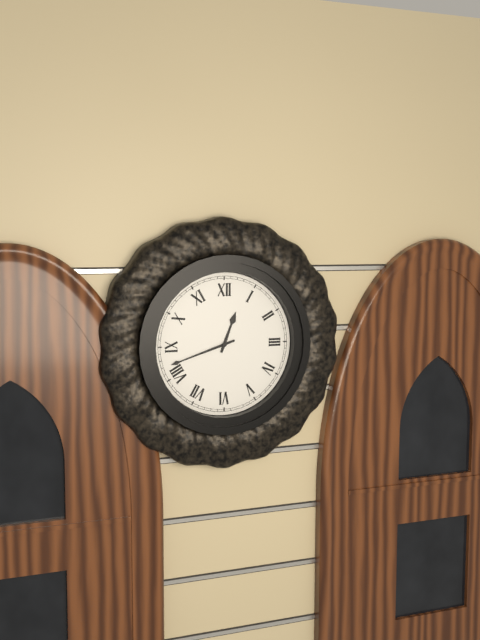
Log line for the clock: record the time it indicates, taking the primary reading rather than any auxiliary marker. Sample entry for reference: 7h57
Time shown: 12h42
